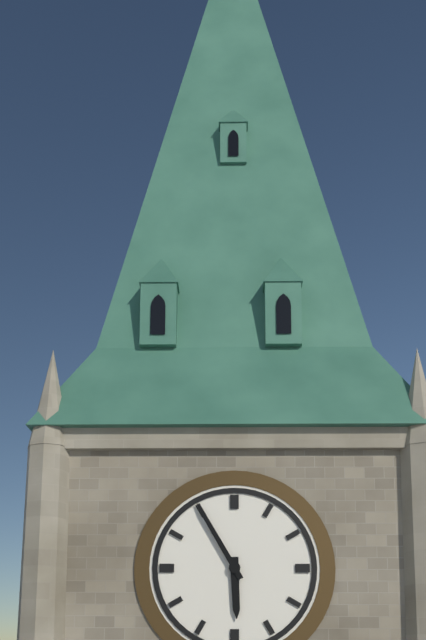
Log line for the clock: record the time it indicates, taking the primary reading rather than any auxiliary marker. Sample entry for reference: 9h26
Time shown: 5h55
